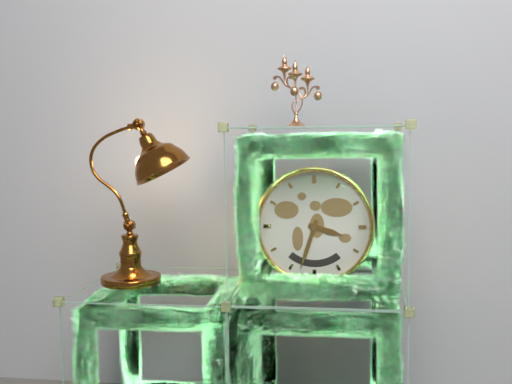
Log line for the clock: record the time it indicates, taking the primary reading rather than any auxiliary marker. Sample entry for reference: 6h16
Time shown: 3h33
